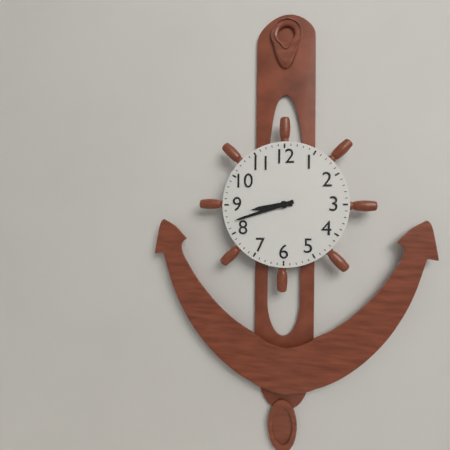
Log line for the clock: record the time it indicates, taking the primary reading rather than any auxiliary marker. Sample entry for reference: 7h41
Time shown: 8h42
